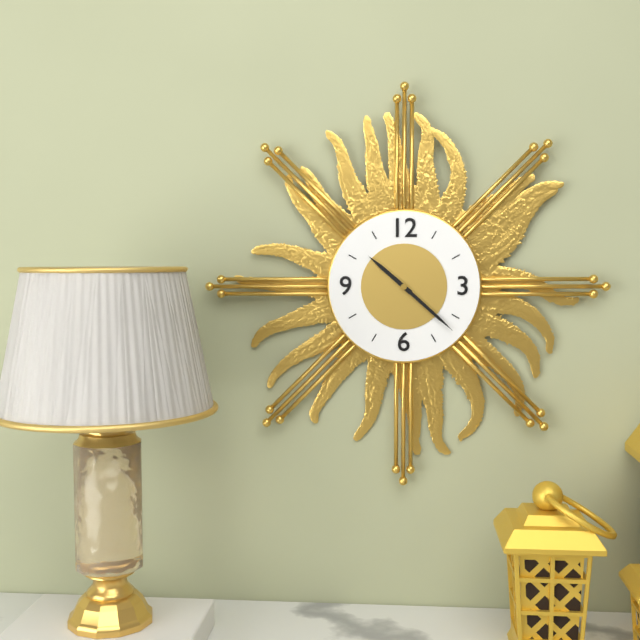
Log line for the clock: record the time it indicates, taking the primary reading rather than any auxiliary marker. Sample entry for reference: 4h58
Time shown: 10h22
